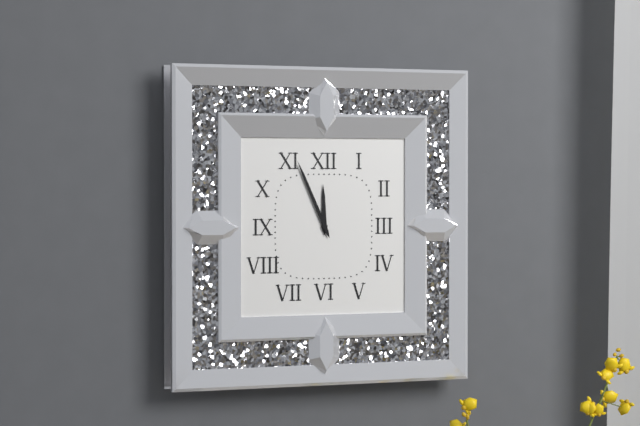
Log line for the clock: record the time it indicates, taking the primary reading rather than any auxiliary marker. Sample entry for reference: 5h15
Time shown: 11h56
